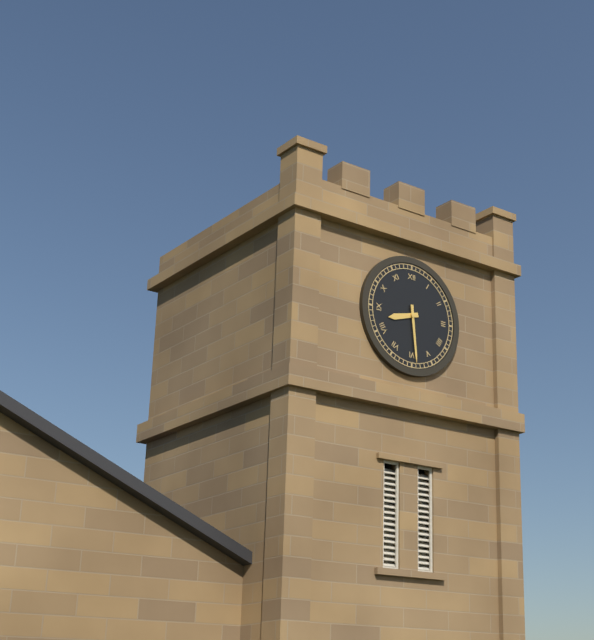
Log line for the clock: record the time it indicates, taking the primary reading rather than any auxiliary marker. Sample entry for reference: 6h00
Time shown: 8h29
